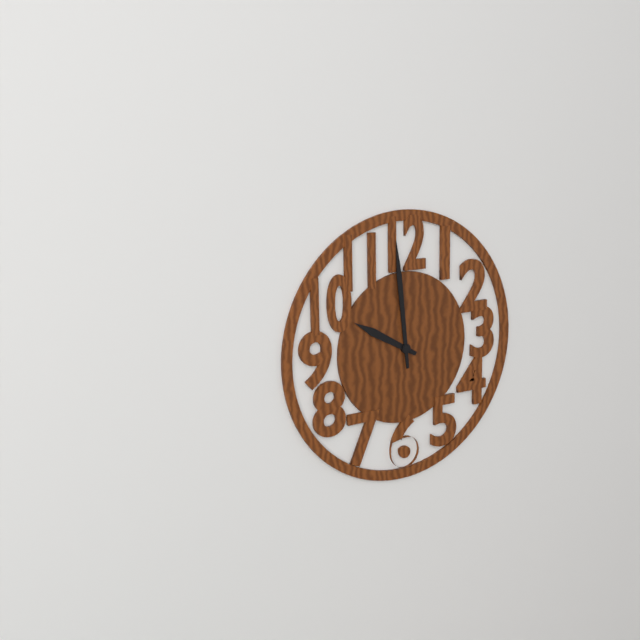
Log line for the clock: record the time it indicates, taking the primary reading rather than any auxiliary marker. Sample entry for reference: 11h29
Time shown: 9h59
